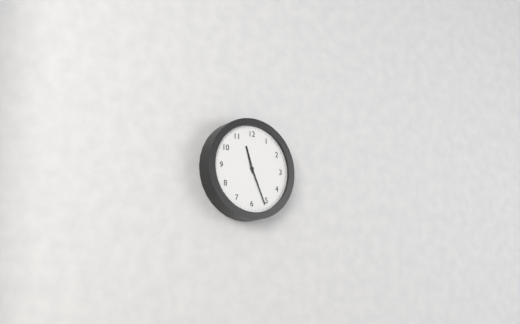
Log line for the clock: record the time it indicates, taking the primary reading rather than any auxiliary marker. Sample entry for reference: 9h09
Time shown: 11h26
